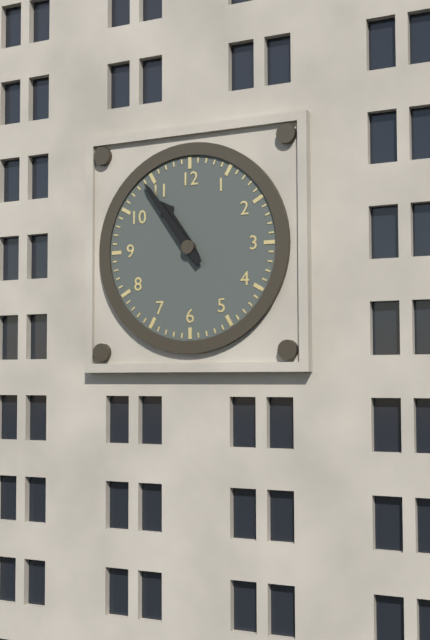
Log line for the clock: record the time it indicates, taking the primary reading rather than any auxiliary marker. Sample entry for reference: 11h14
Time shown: 10h54
